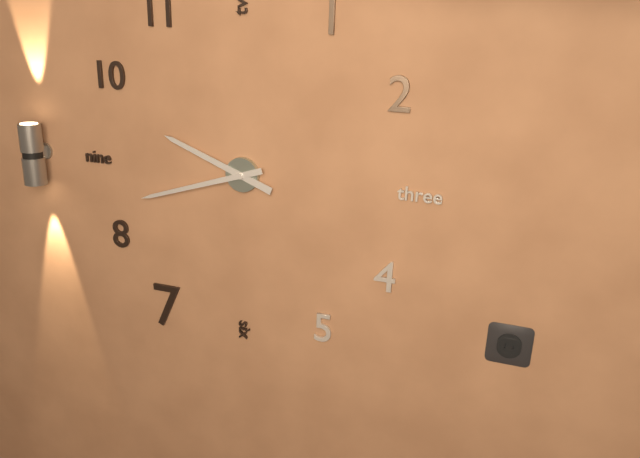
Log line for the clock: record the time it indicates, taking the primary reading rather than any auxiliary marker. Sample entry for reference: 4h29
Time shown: 9h42
